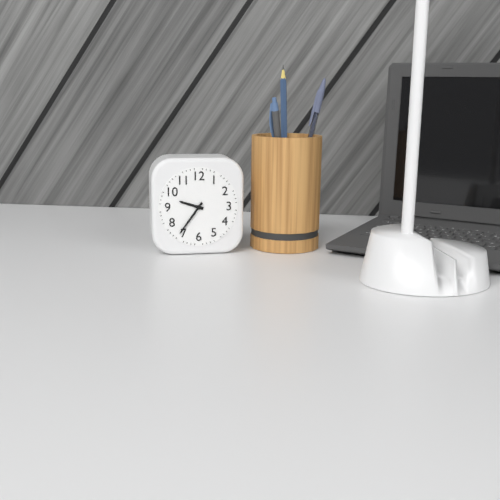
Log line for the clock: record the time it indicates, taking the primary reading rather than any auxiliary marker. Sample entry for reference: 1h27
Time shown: 9h36
